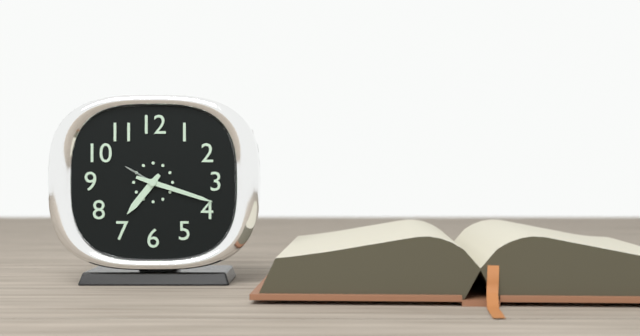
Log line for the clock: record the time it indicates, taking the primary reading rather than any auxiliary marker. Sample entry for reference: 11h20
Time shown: 7h18
